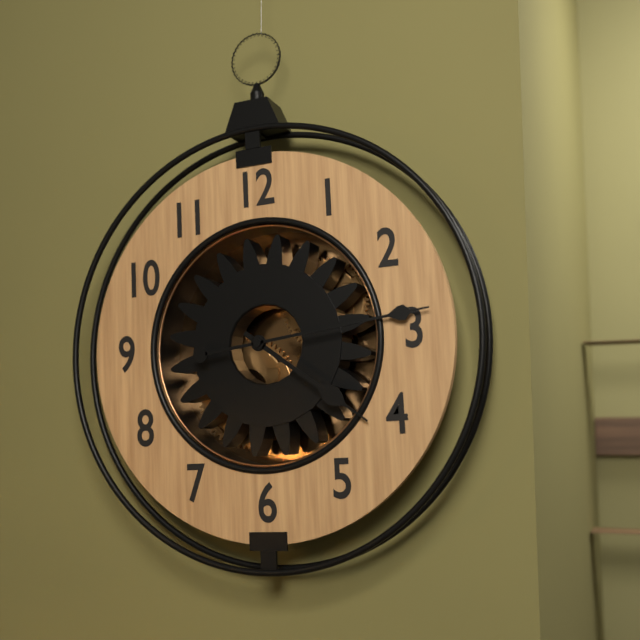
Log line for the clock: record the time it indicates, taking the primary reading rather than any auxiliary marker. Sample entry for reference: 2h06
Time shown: 4h14
